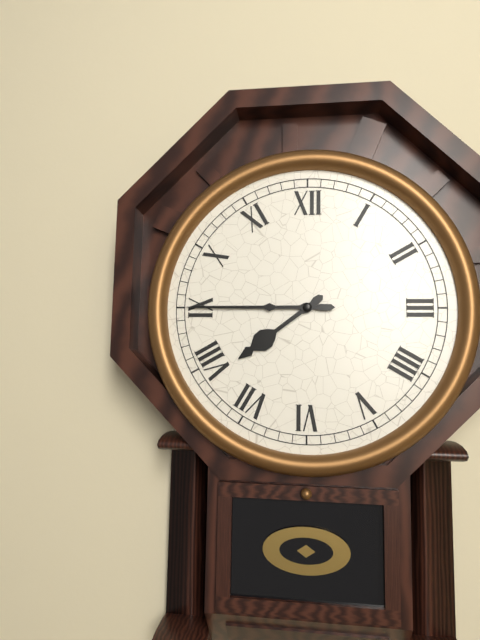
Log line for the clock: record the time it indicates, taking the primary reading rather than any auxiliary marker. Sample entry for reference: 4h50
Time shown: 7h45
